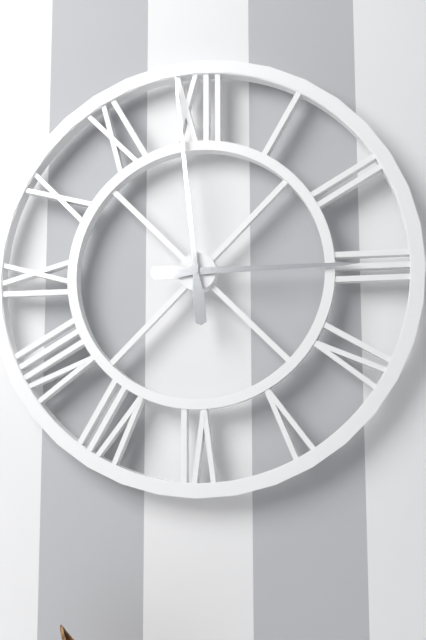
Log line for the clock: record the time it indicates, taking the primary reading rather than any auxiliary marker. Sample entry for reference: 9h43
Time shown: 2h59
